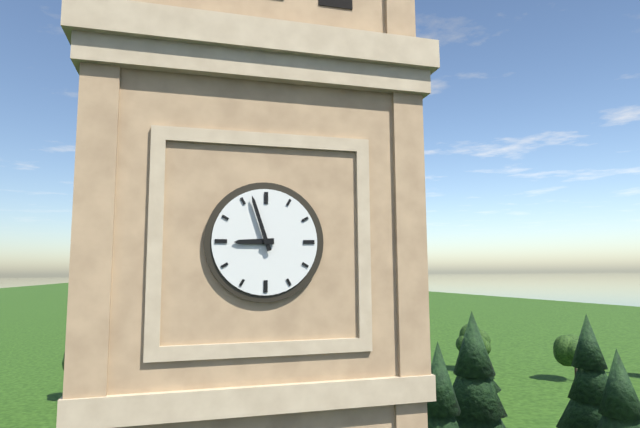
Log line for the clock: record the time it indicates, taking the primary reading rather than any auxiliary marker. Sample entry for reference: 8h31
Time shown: 8h57
